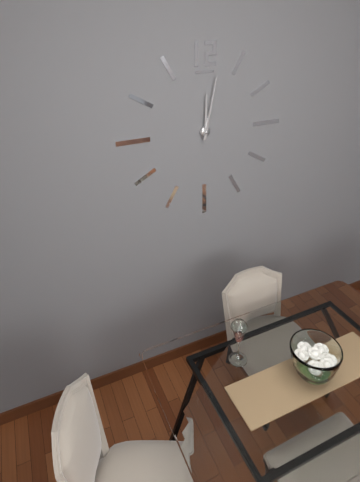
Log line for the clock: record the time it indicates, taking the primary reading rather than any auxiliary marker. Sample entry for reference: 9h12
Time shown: 12h02
